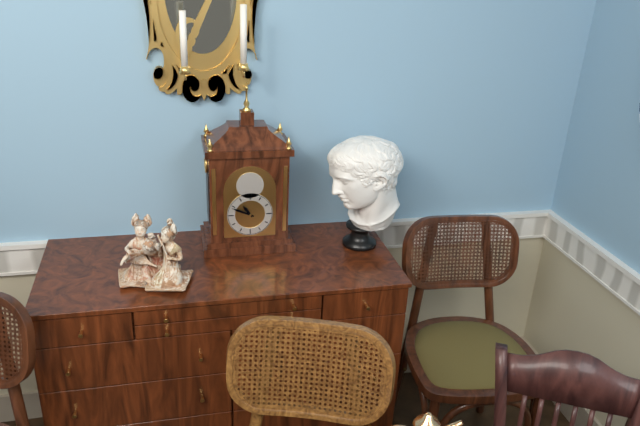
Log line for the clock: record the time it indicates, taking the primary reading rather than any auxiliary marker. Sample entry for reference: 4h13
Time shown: 10h49
